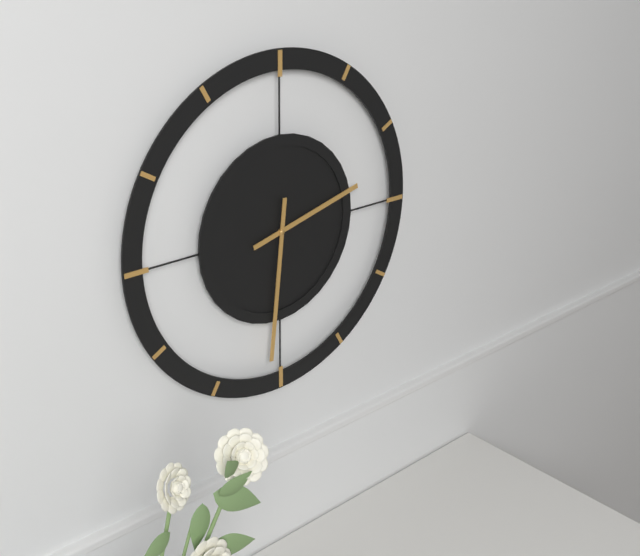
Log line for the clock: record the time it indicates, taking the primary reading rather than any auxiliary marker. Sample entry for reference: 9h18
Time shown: 2h31
